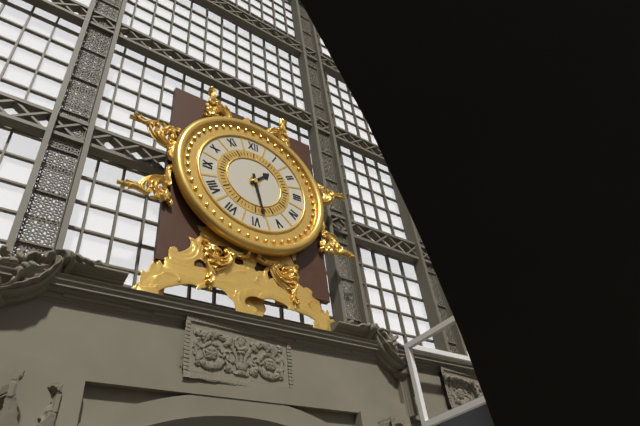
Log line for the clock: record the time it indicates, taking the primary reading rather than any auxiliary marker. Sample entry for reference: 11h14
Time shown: 1h28
